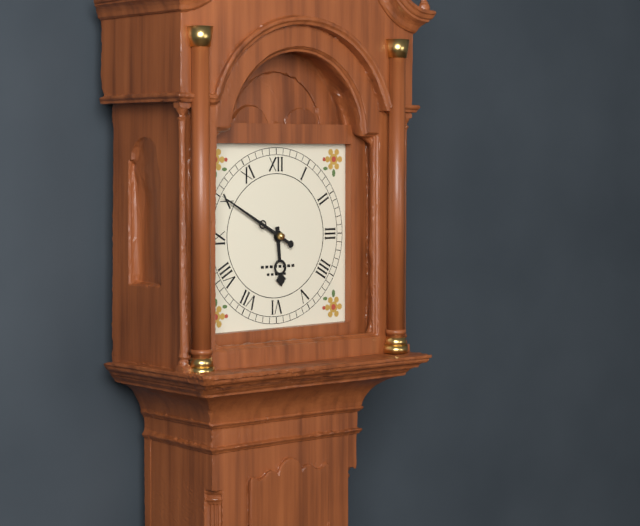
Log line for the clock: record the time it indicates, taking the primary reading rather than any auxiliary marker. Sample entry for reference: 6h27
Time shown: 5h50
